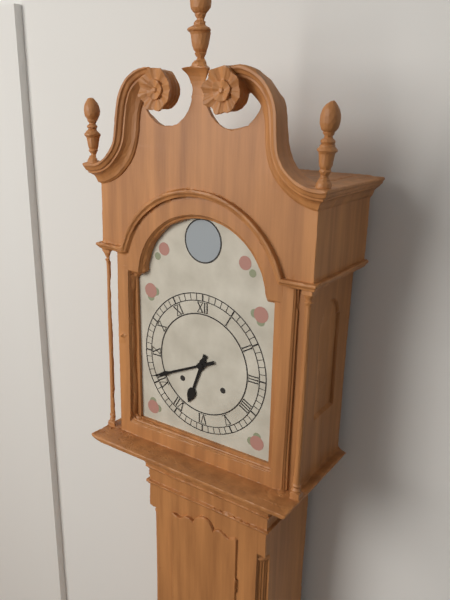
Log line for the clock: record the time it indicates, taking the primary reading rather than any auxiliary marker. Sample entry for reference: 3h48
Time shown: 6h41
